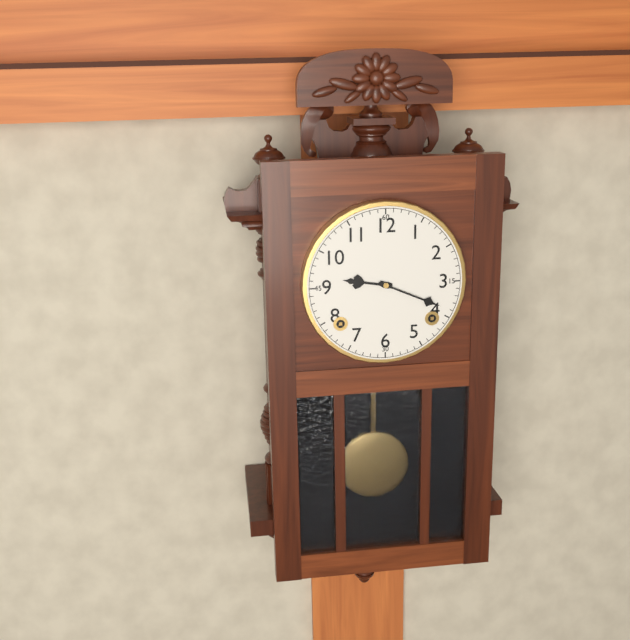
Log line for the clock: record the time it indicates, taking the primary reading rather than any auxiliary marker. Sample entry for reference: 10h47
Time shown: 9h19
